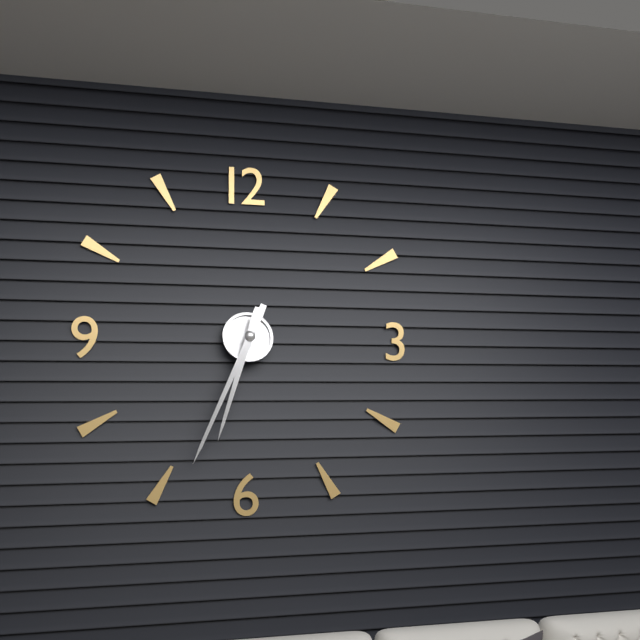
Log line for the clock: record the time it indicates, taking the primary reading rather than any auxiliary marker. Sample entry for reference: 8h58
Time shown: 6h34
